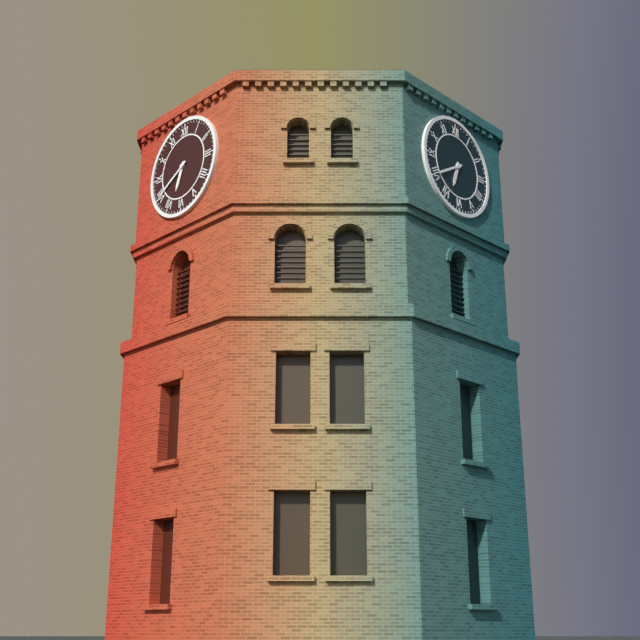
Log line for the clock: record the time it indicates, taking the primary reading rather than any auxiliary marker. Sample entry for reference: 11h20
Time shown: 6h40
